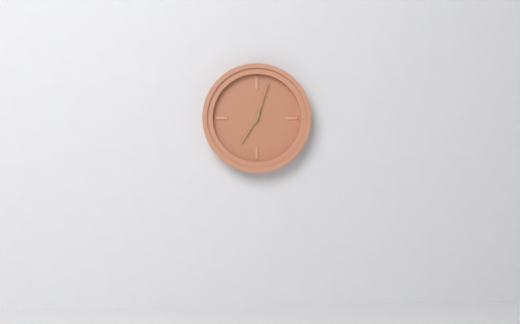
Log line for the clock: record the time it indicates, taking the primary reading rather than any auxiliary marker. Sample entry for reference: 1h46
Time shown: 7h03
